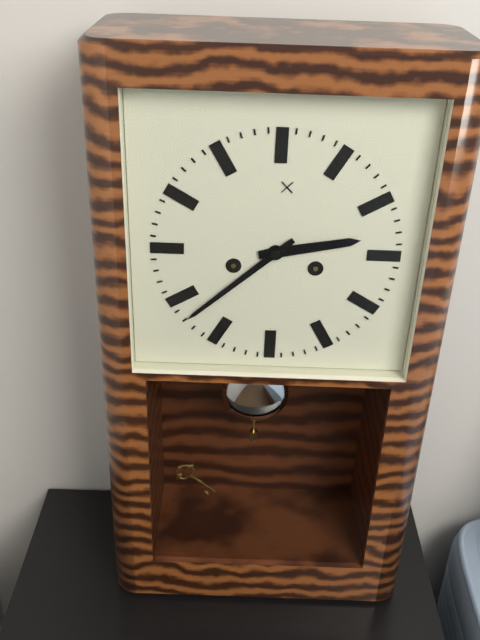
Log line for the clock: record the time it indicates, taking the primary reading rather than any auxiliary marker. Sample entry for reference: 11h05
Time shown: 2h38
